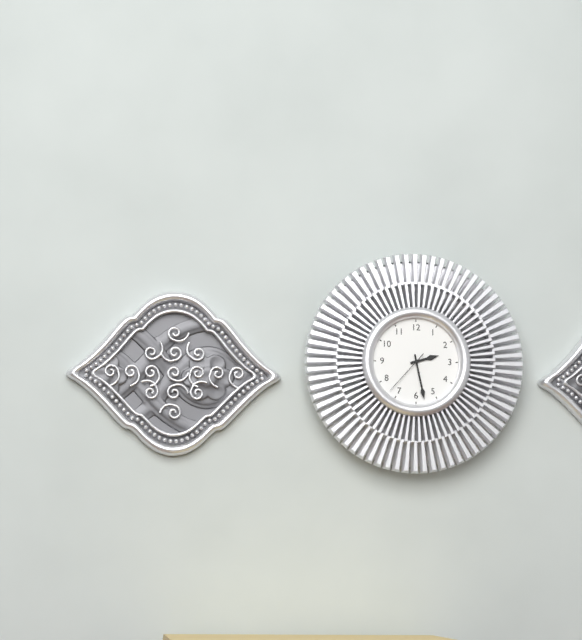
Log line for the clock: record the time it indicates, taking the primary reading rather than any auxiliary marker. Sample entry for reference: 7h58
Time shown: 2h28
